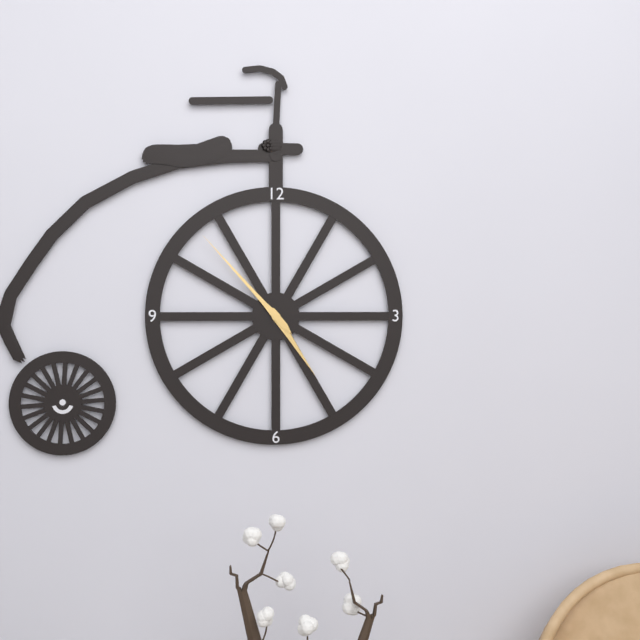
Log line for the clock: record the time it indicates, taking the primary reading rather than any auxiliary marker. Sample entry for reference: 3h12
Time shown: 4h53
